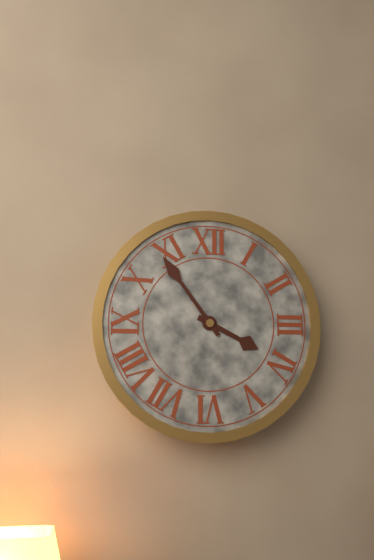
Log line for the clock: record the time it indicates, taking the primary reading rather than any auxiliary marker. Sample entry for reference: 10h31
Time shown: 3h54
